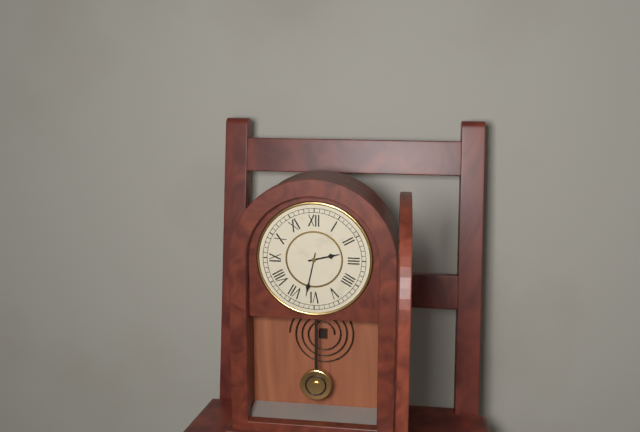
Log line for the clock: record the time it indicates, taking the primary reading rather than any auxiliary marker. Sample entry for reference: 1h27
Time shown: 2h32
